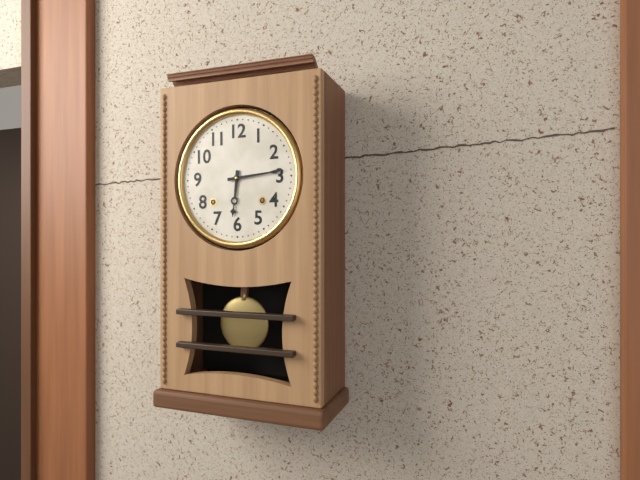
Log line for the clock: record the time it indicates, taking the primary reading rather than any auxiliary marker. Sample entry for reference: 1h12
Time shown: 6h14
